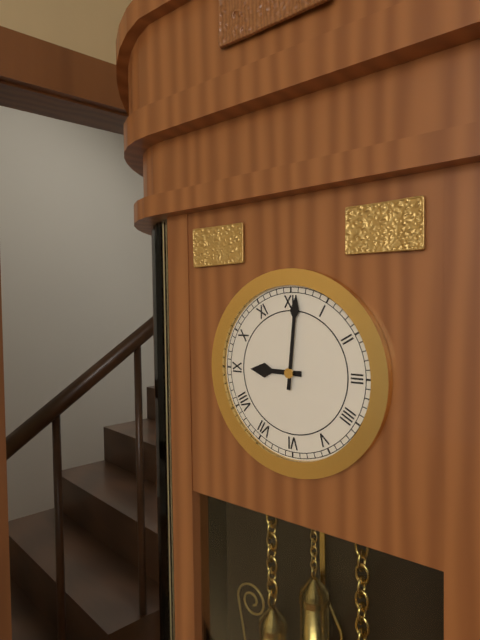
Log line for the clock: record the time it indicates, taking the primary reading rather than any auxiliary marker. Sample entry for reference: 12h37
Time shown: 9h01
